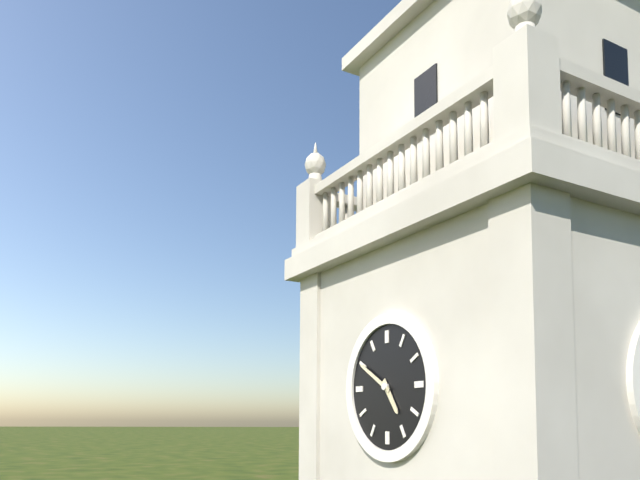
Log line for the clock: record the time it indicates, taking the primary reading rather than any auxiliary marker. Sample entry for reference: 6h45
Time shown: 4h50
